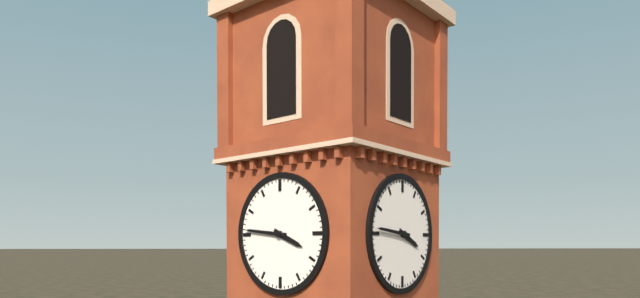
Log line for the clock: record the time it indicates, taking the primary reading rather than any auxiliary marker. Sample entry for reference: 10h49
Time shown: 3h46
